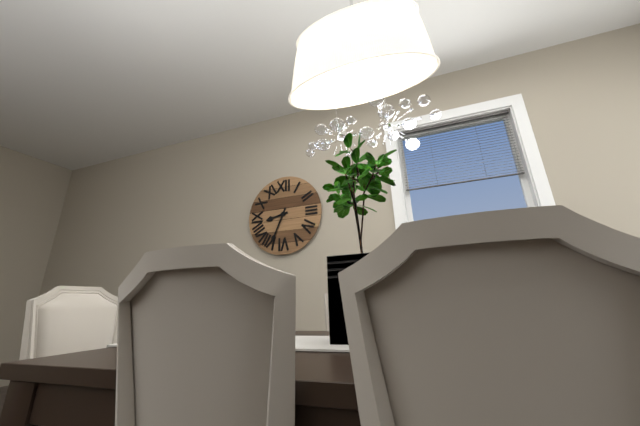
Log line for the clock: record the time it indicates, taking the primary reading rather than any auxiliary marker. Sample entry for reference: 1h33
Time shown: 8h34
